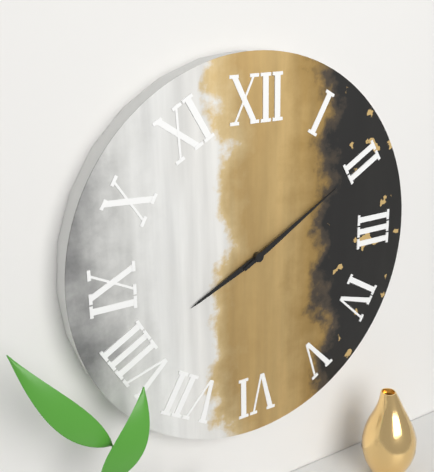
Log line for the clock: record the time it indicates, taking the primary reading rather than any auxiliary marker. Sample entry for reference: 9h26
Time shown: 8h10
